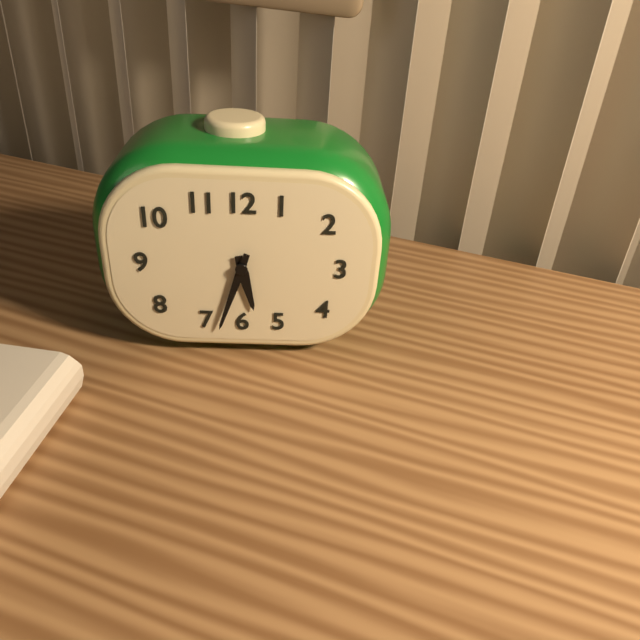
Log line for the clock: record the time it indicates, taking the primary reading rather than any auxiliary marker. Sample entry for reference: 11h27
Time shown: 5h33
